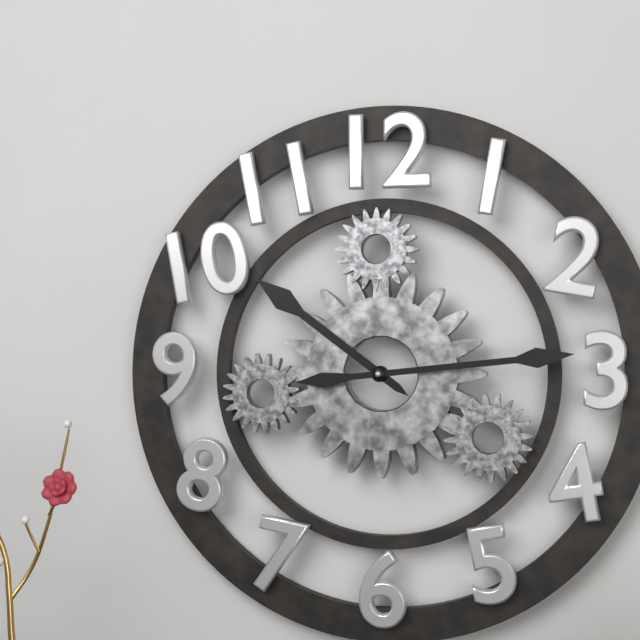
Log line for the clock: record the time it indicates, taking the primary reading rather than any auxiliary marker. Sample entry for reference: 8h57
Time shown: 10h14
